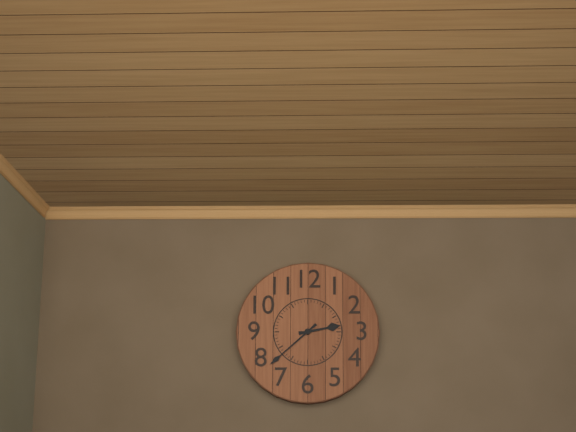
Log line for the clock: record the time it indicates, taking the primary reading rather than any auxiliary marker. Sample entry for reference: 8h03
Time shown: 2h38
